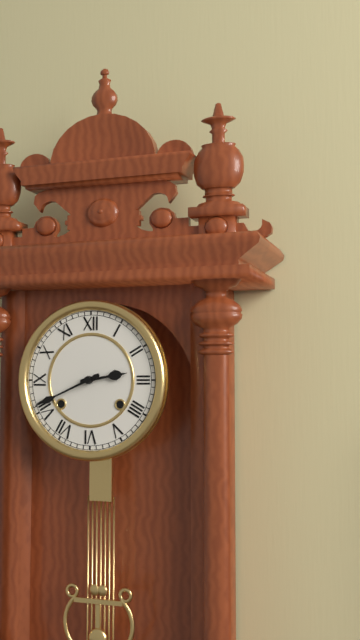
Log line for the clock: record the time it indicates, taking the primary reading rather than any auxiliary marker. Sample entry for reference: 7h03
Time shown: 2h41
